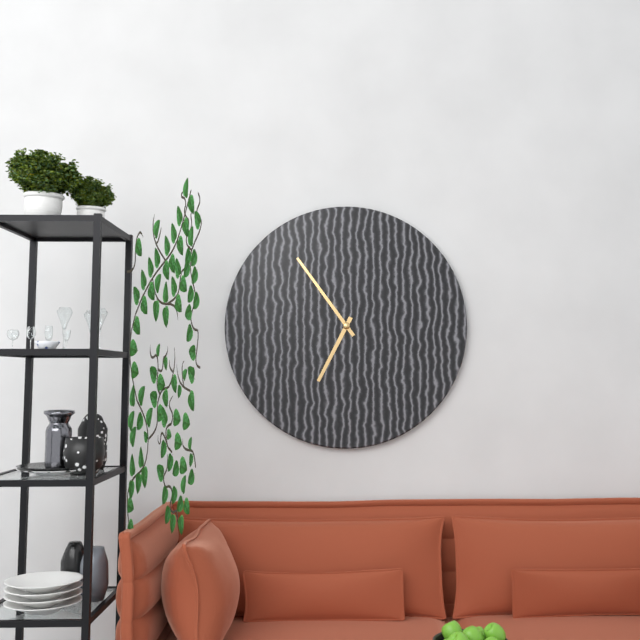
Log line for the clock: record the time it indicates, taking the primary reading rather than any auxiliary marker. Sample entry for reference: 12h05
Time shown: 6h54
